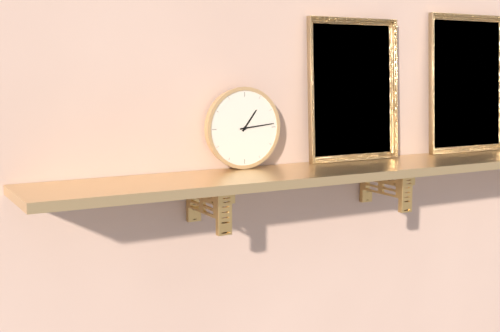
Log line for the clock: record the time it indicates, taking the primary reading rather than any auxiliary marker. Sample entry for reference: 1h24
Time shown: 1h14
